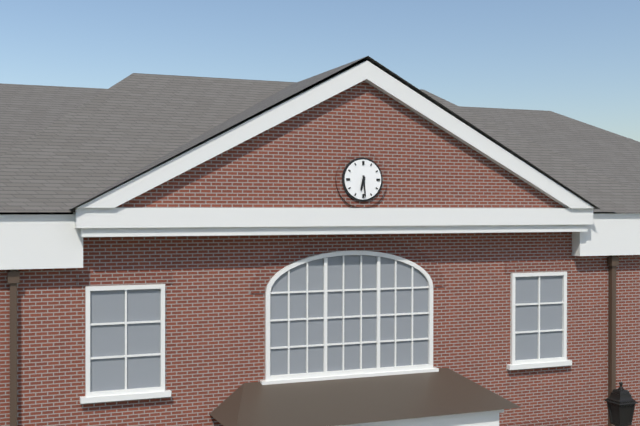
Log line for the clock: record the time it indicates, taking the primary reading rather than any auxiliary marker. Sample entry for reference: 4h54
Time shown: 6h29
